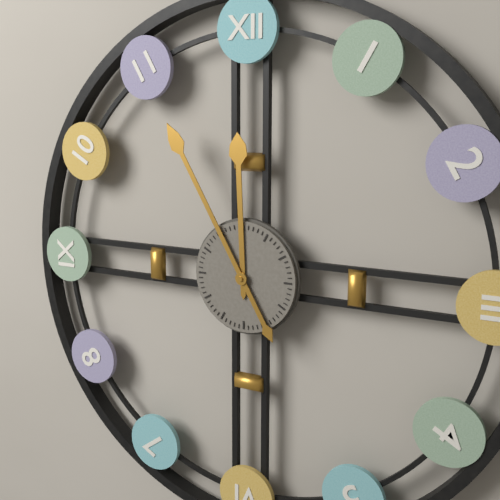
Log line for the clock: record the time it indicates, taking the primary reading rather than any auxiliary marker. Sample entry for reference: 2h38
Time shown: 11h55
